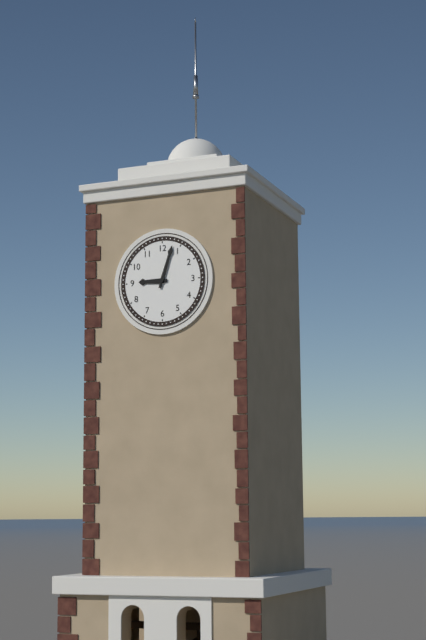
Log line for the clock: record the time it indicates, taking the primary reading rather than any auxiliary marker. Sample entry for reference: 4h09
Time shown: 9h03
